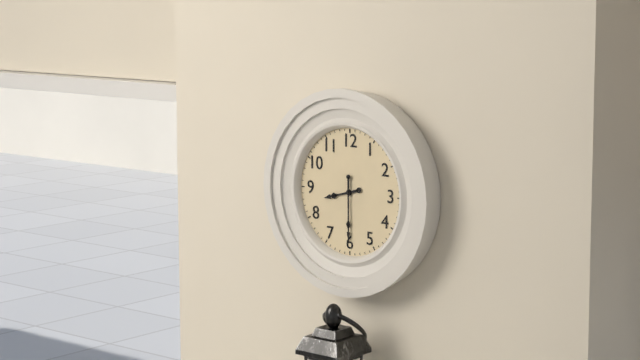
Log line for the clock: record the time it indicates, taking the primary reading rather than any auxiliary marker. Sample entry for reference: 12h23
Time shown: 8h30
